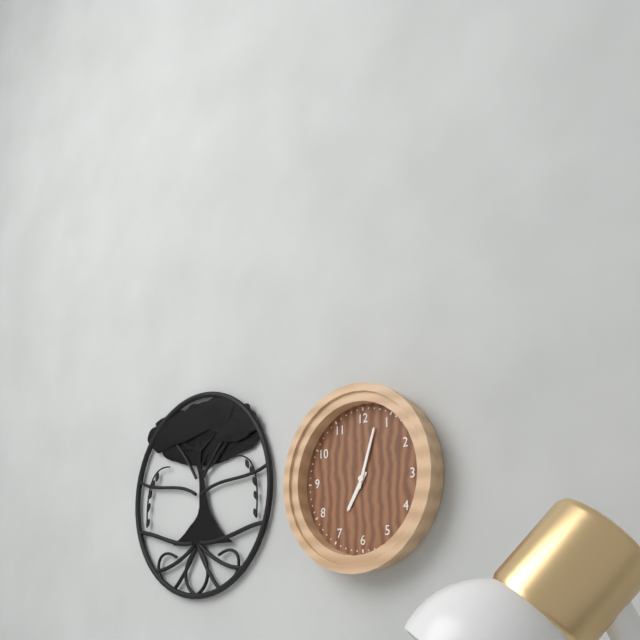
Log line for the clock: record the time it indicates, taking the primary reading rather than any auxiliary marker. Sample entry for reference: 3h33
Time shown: 7h03
